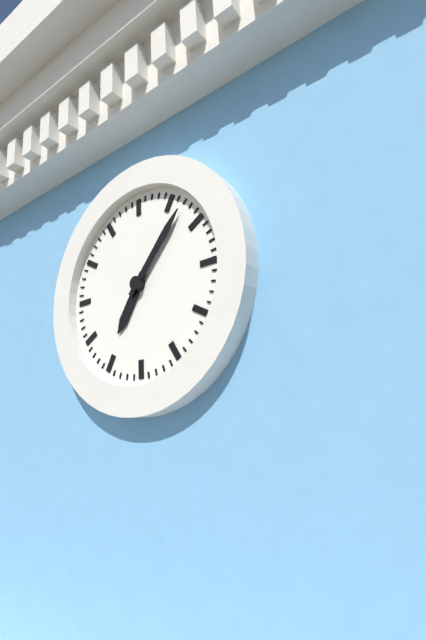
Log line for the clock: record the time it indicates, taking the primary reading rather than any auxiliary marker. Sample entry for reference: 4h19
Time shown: 7h07
